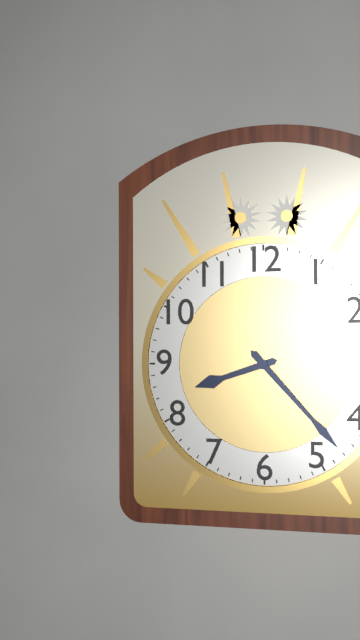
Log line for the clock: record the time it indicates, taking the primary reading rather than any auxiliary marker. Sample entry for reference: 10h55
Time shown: 8h23
